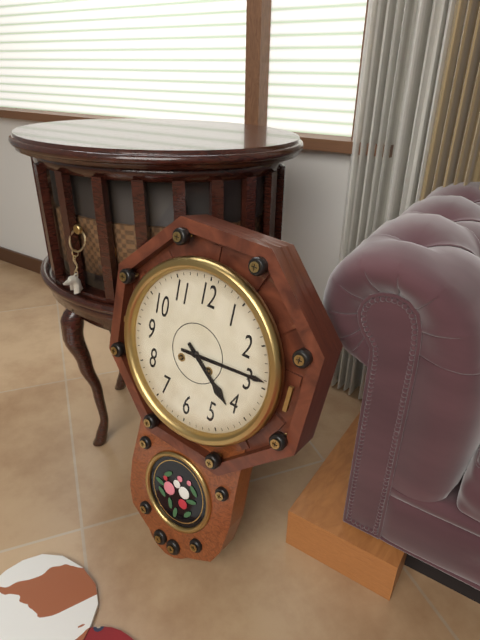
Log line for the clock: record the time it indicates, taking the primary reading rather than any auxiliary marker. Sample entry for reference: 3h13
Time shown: 4h14
